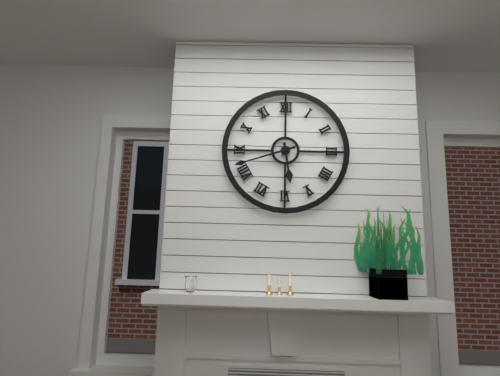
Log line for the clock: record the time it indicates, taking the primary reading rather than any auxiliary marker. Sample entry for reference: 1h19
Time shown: 5h42
